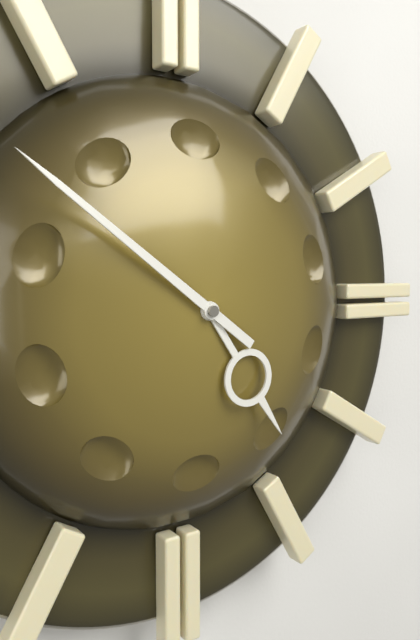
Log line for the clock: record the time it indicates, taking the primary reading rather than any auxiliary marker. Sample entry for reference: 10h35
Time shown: 4h51
